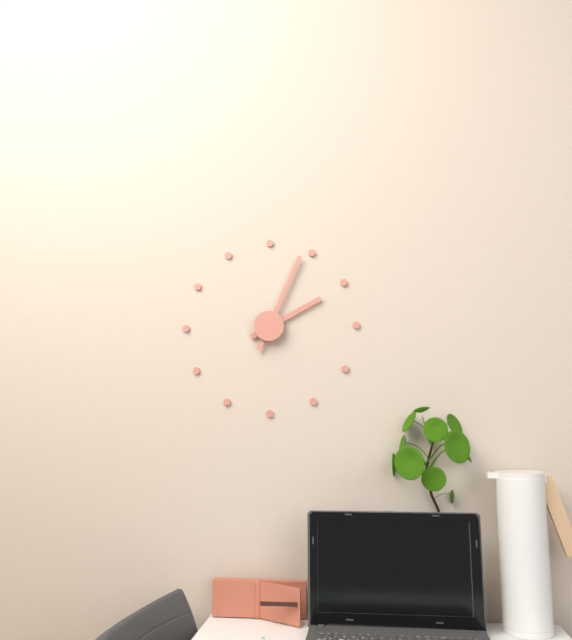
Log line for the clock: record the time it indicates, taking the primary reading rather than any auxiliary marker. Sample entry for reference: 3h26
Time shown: 2h04
